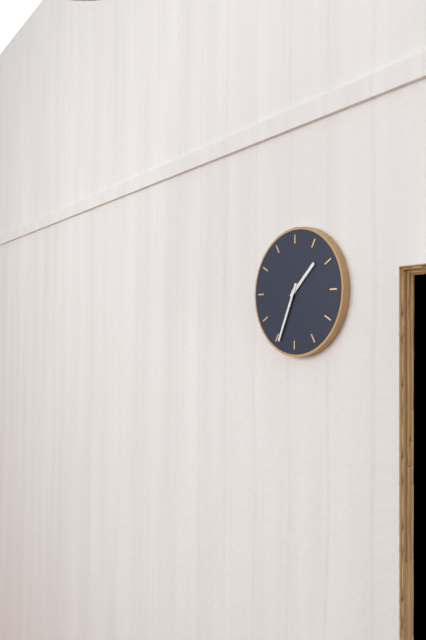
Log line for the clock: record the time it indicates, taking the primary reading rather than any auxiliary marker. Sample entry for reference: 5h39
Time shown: 1h34
